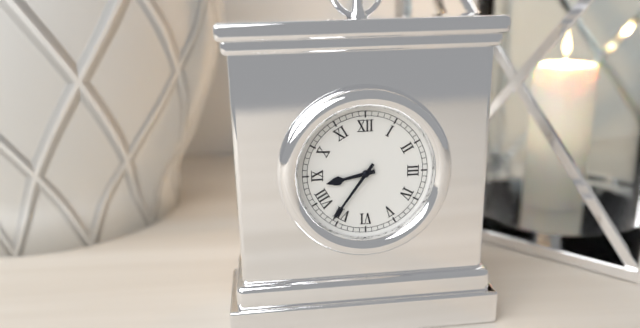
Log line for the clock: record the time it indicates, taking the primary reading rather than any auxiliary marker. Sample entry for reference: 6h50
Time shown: 8h36
